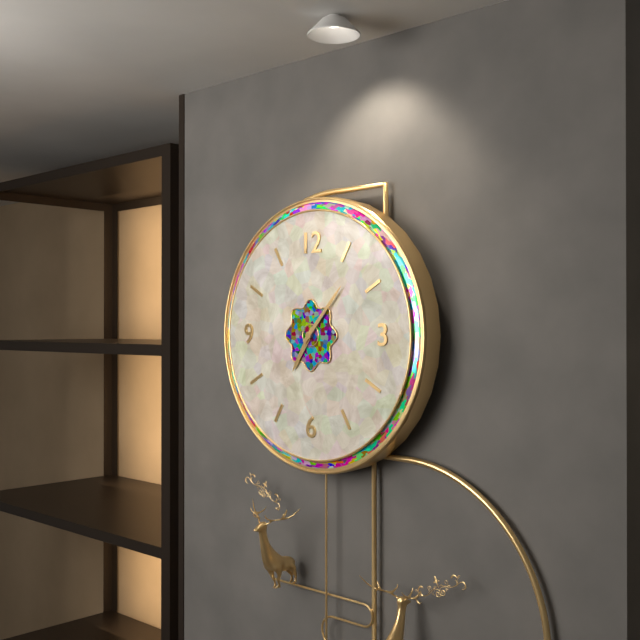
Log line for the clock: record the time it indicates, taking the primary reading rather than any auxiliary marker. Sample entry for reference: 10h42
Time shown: 7h07
